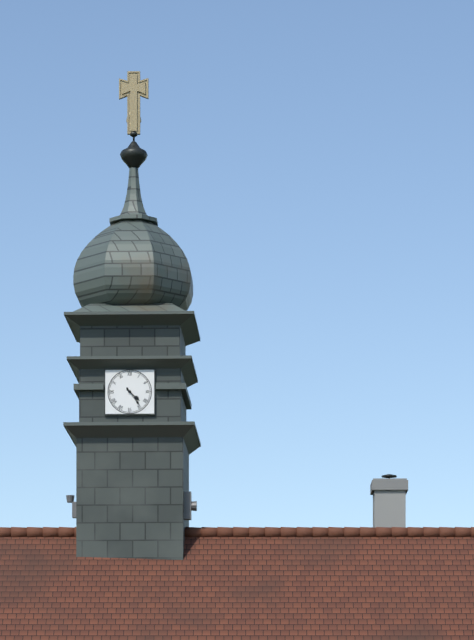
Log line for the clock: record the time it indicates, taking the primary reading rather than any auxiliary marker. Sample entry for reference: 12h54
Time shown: 4h24
